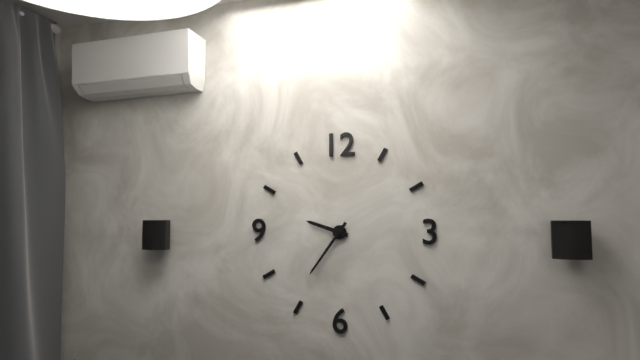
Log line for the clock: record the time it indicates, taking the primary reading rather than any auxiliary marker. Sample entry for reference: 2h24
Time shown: 9h36
